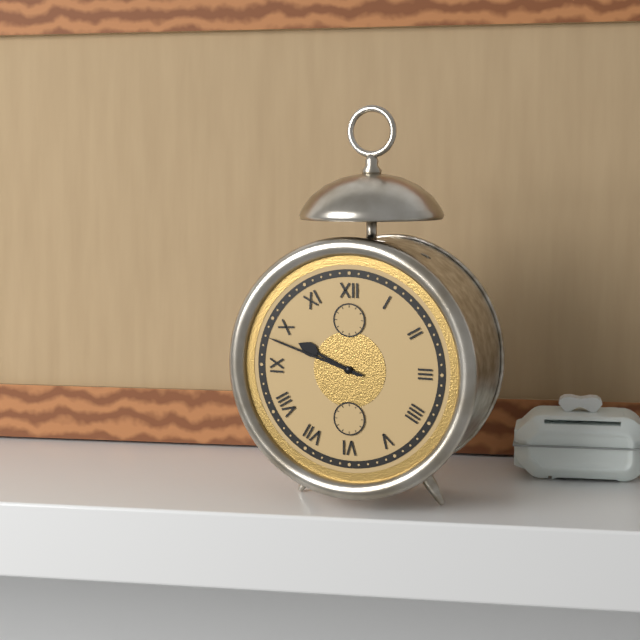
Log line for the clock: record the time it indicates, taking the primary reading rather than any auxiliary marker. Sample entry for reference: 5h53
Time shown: 9h48
